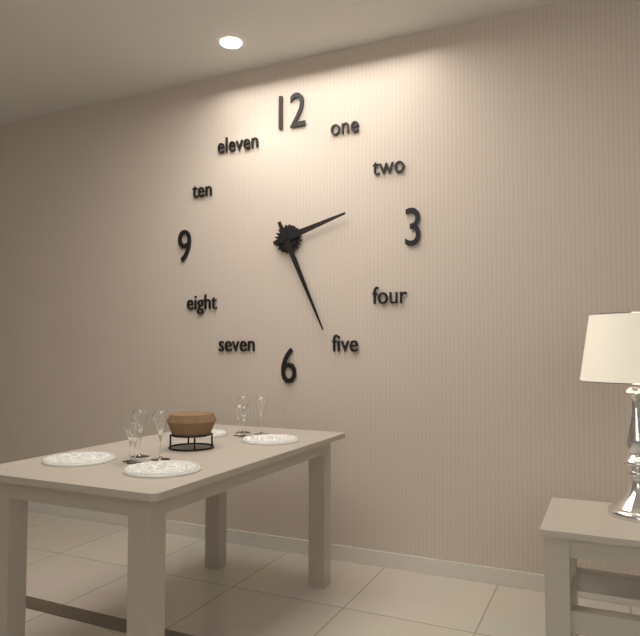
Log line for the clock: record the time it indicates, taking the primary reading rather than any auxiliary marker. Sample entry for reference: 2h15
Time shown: 2h26
